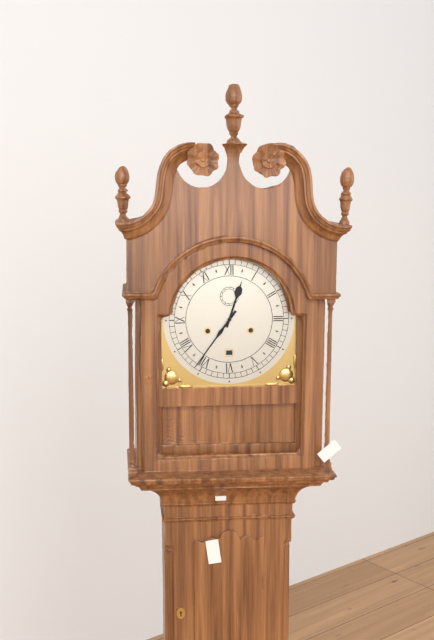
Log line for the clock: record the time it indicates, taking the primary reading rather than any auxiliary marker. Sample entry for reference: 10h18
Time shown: 12h36
